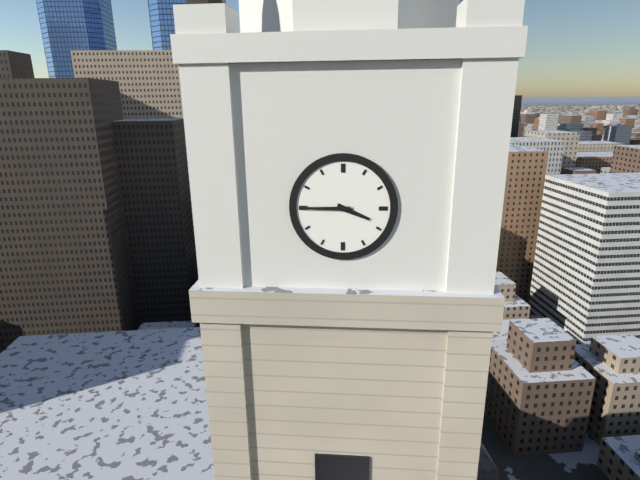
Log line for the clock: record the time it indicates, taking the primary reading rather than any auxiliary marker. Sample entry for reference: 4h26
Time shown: 3h45
